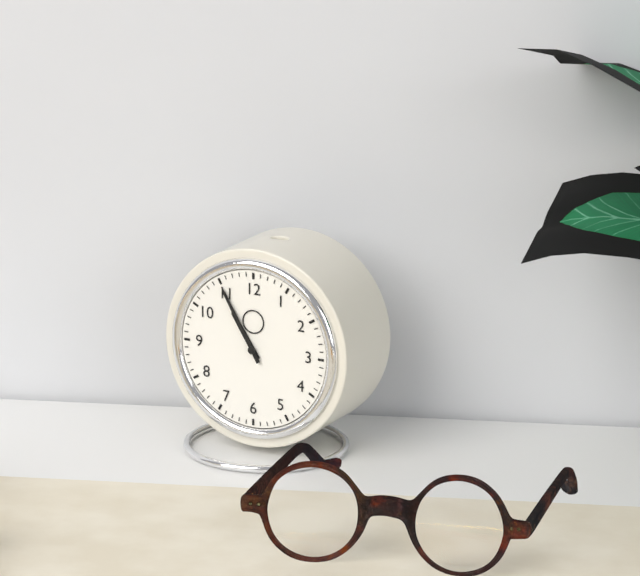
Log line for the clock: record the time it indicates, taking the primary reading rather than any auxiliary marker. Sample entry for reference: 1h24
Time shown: 10h55
